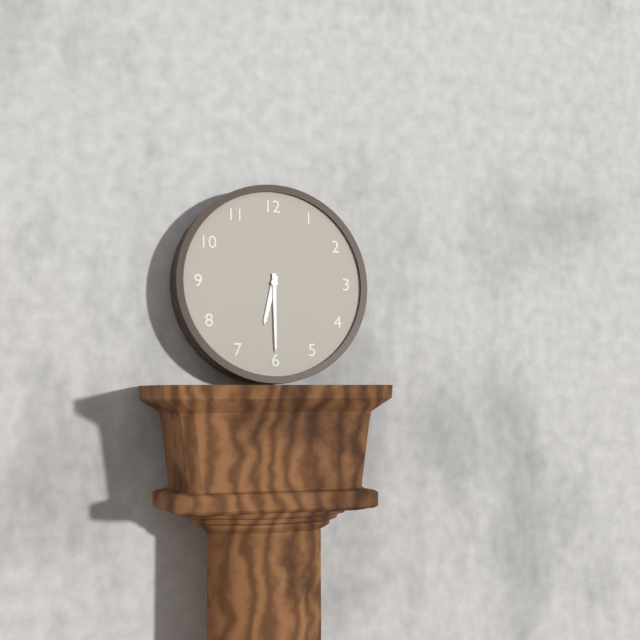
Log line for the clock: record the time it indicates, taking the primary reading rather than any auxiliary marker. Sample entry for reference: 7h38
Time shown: 6h30
